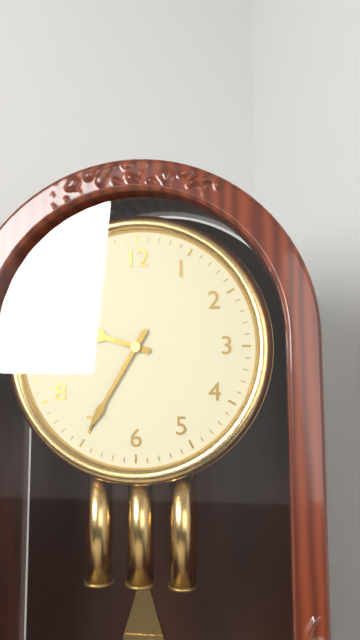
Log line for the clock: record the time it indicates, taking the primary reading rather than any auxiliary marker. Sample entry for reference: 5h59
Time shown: 9h35
